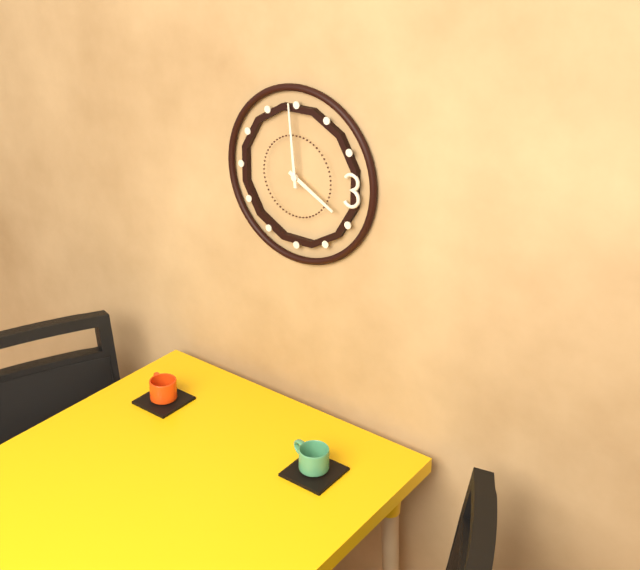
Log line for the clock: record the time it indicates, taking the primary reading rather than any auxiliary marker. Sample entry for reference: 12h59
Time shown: 3h59
